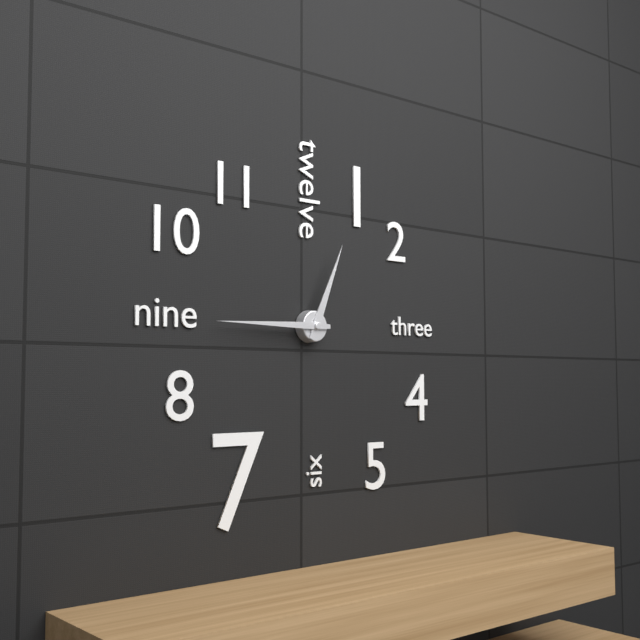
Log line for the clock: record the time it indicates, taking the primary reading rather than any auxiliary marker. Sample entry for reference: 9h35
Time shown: 12h45
